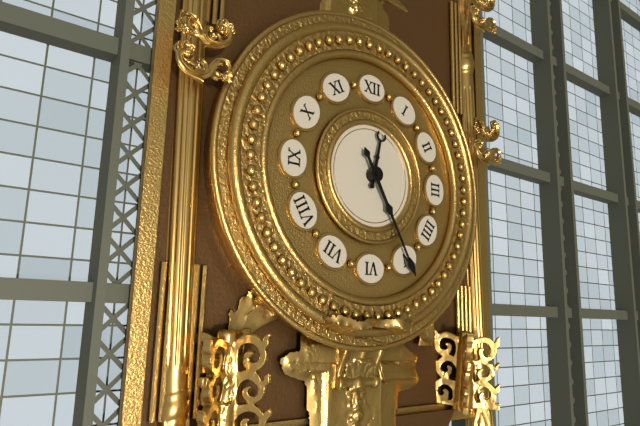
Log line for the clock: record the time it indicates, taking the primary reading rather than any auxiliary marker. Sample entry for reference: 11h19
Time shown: 12h25
